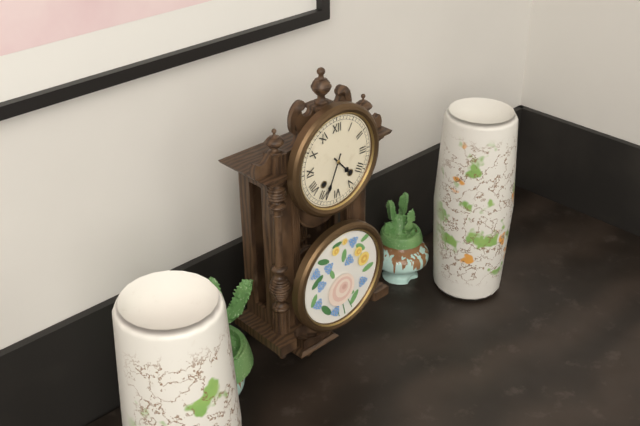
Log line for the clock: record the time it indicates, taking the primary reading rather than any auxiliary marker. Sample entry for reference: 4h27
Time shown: 4h34
